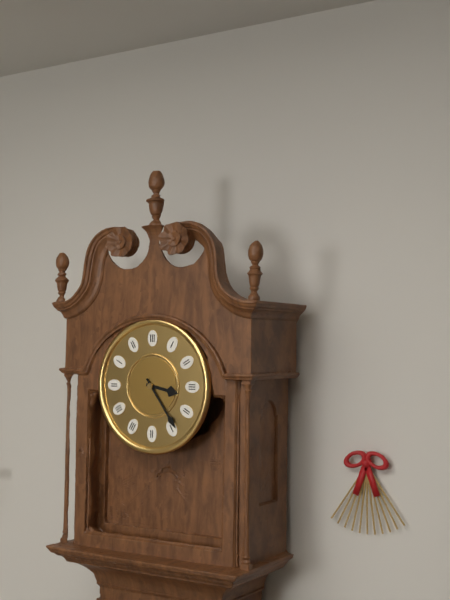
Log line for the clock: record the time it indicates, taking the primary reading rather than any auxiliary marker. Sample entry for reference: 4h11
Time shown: 3h24
